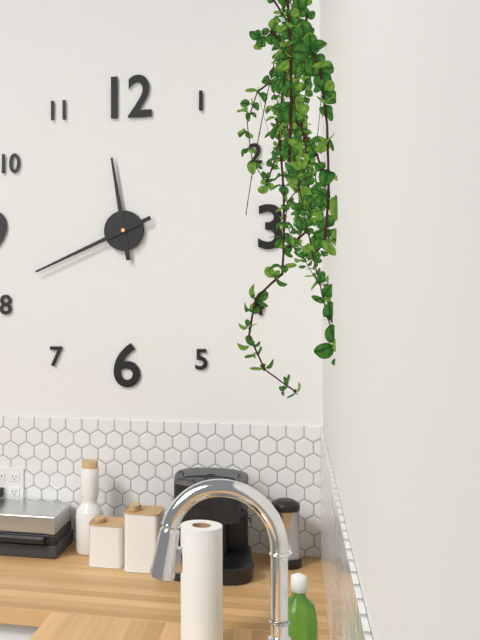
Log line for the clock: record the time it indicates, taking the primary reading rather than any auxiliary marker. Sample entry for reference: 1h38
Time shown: 11h41
